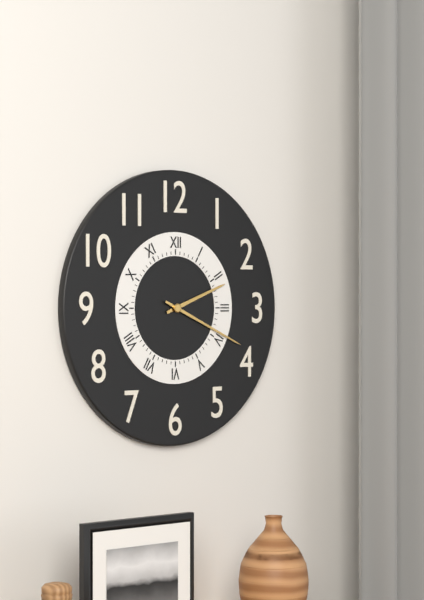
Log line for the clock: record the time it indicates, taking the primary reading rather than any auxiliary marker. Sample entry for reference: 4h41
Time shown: 2h19
